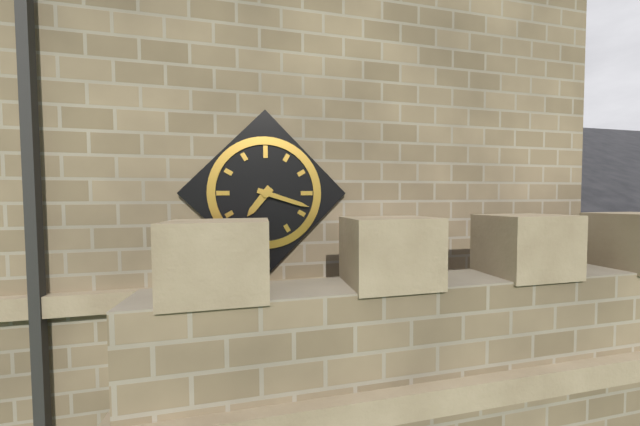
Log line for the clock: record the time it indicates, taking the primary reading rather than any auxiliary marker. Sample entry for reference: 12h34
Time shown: 7h18
